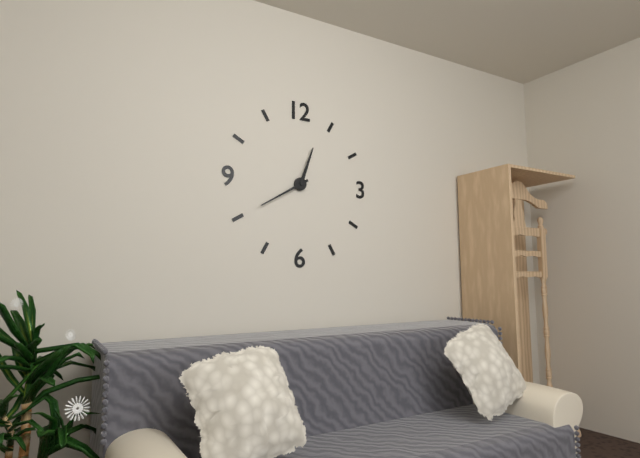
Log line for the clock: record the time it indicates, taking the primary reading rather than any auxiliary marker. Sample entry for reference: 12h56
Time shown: 12h40
